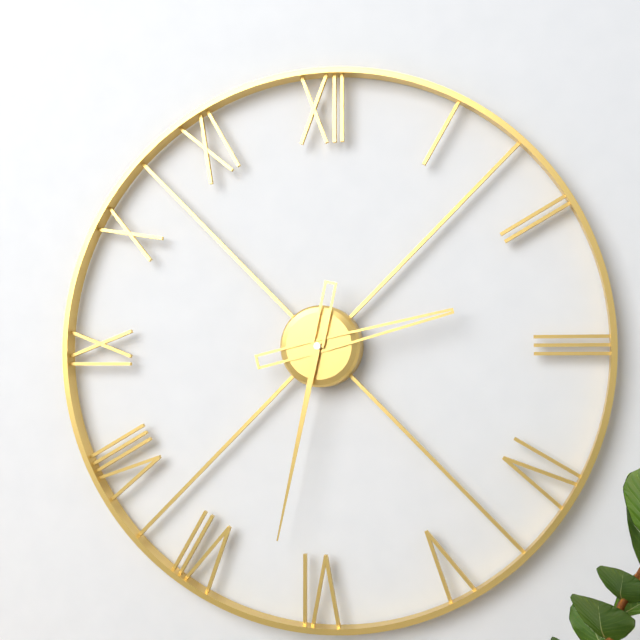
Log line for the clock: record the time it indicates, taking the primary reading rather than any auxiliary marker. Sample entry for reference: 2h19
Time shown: 2h32
